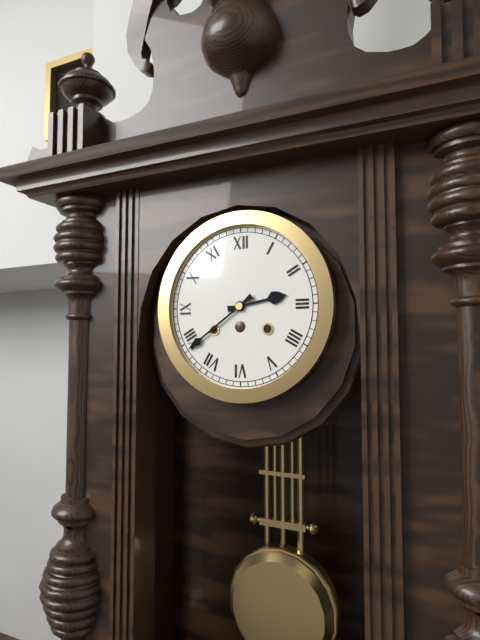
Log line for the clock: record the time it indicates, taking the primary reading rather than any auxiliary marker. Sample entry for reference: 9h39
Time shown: 2h39
